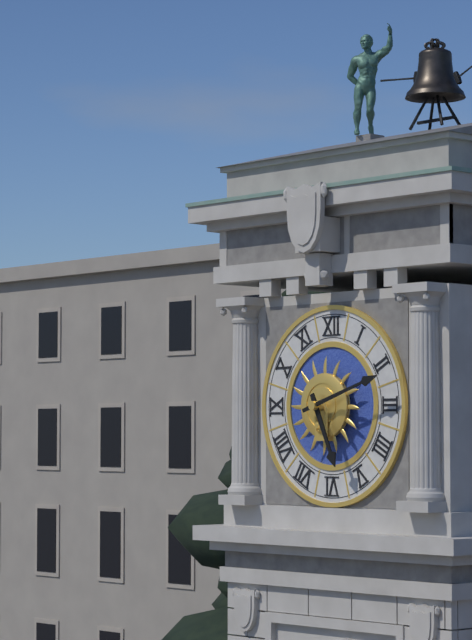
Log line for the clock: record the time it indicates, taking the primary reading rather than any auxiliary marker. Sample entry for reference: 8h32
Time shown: 5h12
